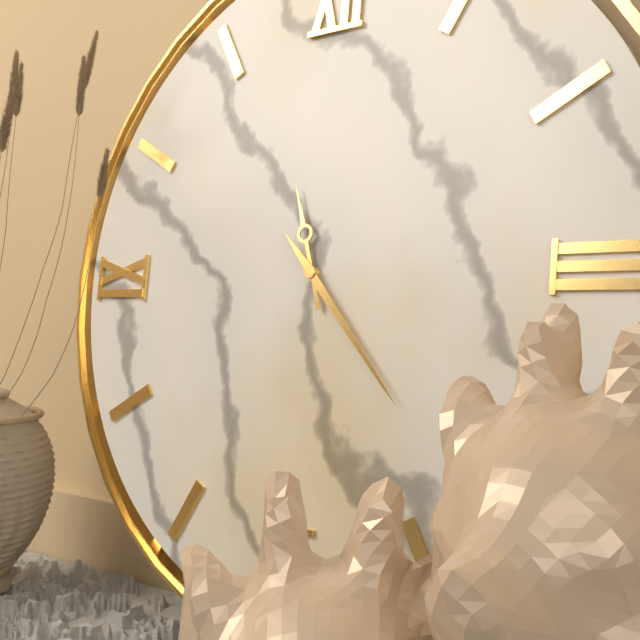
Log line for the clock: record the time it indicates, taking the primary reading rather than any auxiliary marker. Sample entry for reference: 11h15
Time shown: 11h23
